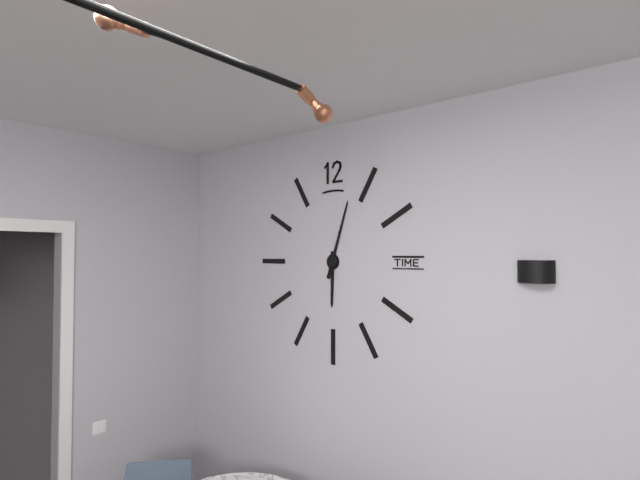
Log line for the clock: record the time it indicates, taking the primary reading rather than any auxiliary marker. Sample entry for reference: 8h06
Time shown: 6h03
